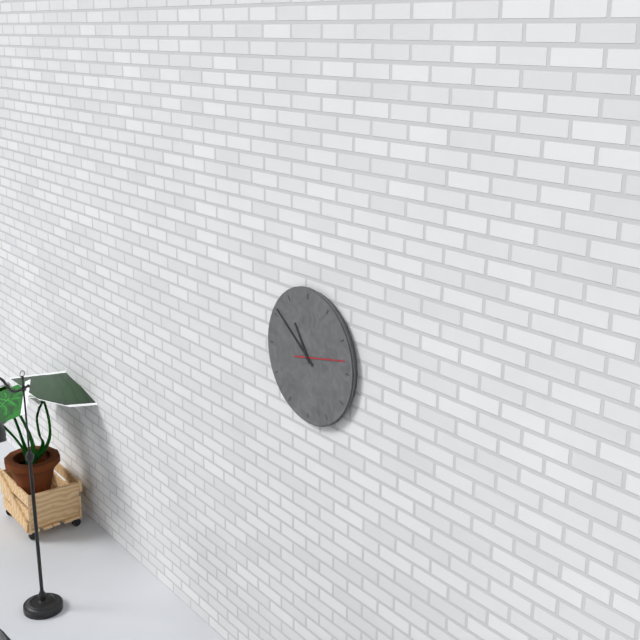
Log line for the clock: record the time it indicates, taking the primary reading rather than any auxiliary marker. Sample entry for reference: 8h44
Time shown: 10h51
